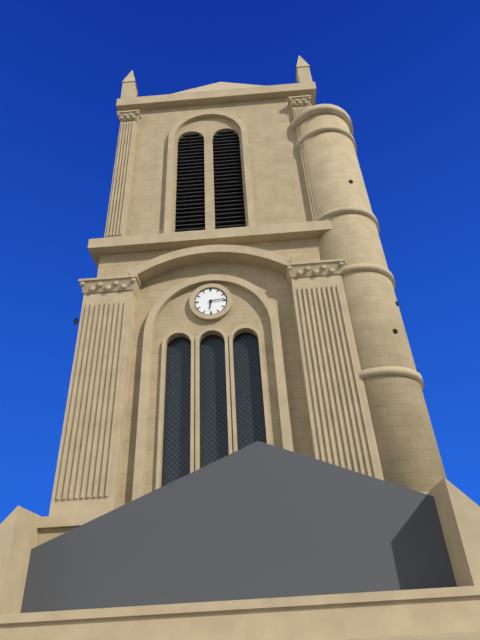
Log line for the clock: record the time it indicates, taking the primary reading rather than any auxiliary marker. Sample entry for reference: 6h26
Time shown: 6h14
